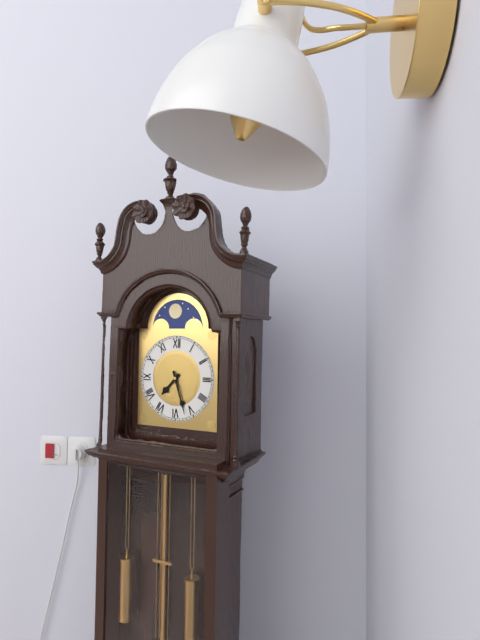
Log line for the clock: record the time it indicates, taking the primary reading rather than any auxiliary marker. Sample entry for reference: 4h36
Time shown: 7h27
